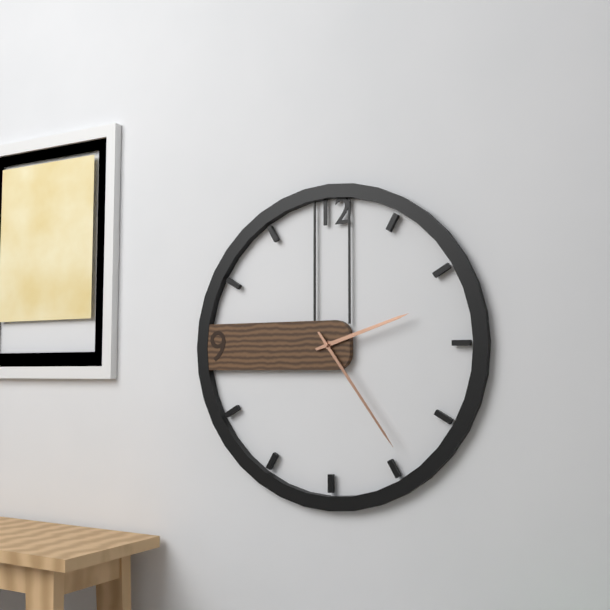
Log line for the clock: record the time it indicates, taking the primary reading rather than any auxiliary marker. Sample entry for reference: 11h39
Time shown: 2h24
